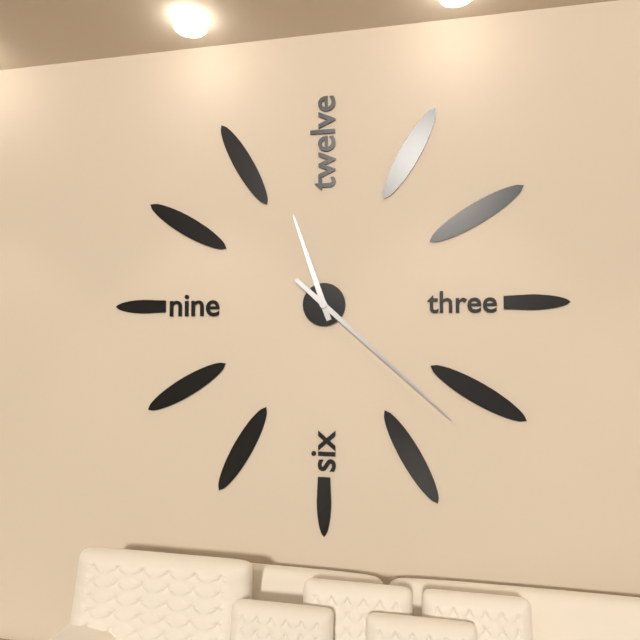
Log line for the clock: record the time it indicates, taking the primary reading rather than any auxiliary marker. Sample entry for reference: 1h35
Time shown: 11h22
